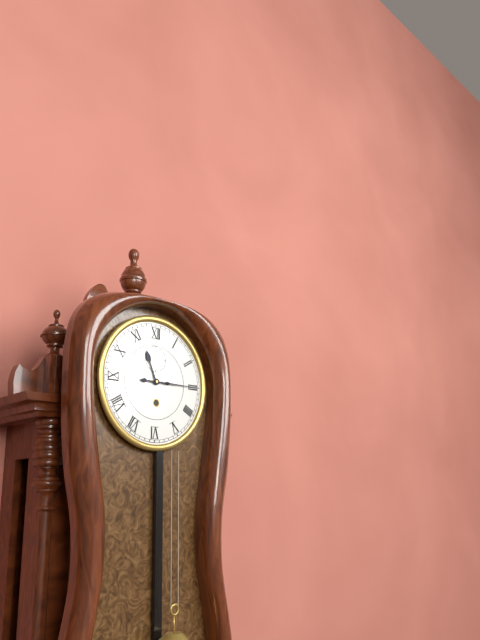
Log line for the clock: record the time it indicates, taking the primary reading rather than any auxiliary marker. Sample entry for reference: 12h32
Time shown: 11h15
